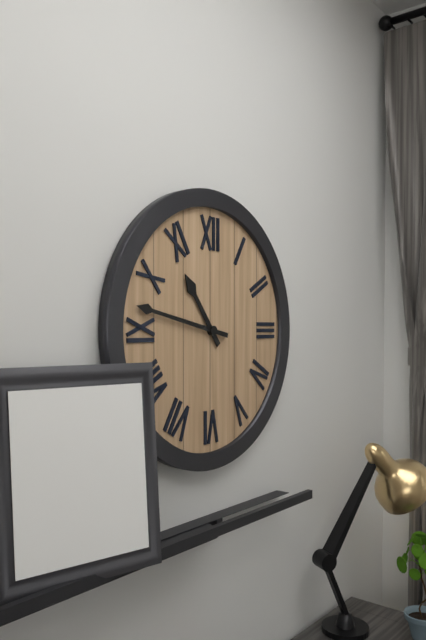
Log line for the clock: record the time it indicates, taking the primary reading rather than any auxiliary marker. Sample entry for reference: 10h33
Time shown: 10h47
